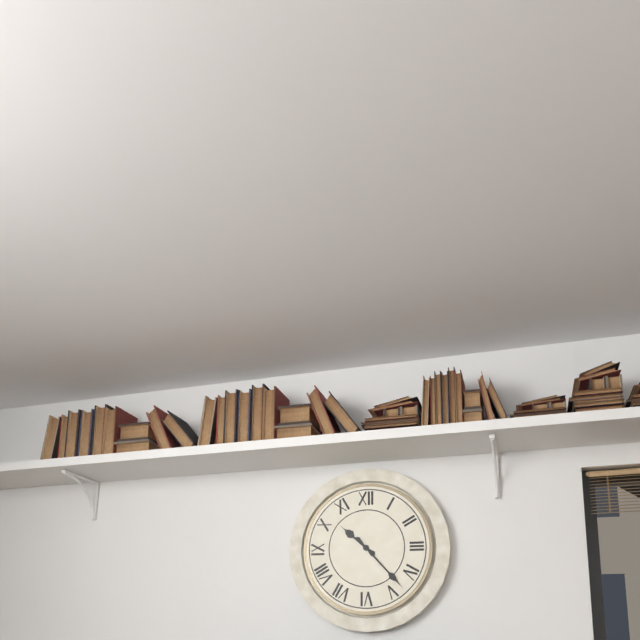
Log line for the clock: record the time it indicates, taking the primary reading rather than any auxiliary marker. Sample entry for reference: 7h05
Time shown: 10h23
